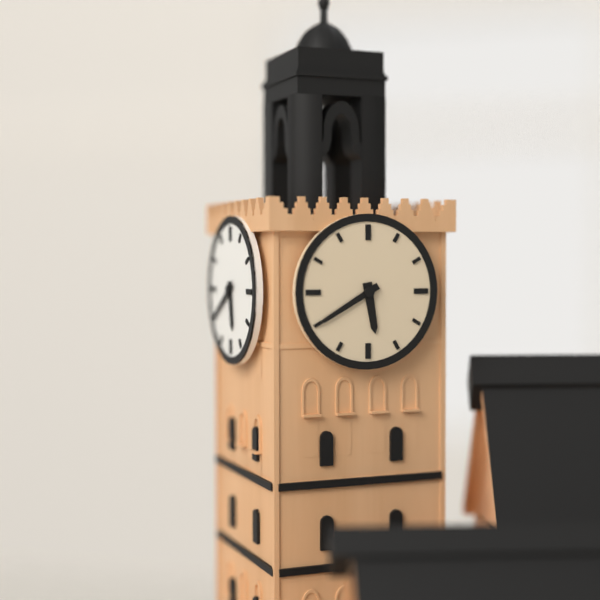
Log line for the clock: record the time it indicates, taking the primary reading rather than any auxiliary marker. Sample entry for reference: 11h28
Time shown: 5h40
